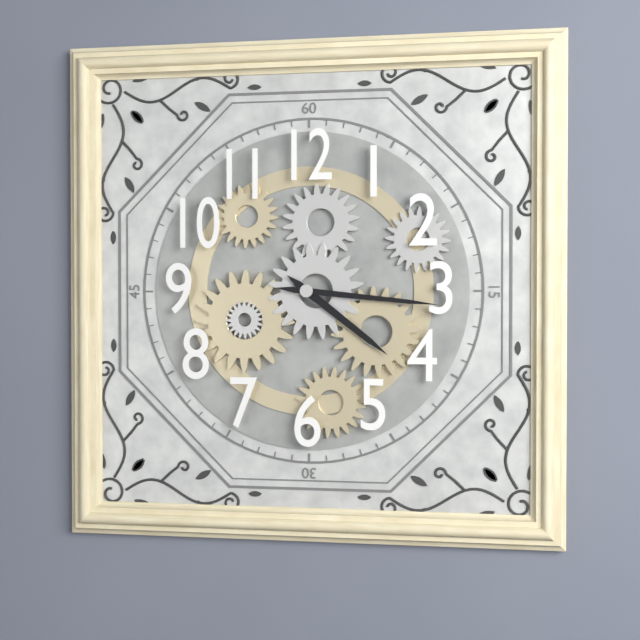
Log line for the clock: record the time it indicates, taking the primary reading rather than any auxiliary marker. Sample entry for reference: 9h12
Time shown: 4h16
